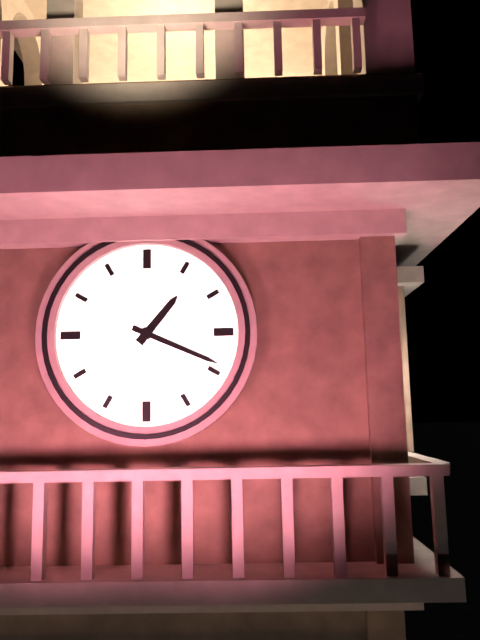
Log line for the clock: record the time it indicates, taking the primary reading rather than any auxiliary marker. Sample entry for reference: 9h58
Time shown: 1h19
